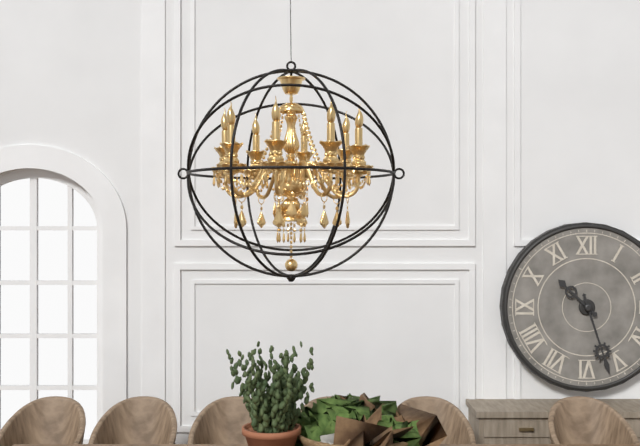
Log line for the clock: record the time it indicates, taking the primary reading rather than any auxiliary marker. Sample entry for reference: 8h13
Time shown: 10h27
